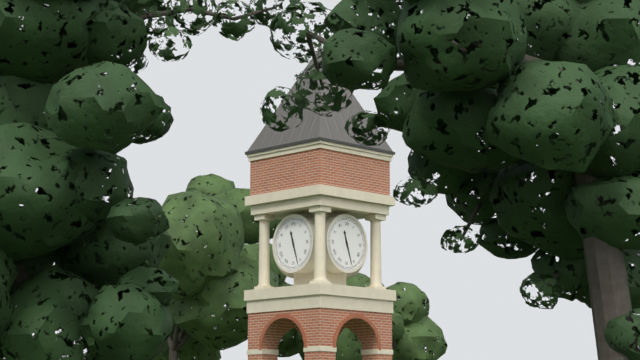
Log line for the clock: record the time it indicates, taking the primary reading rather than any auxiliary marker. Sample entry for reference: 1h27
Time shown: 11h27
